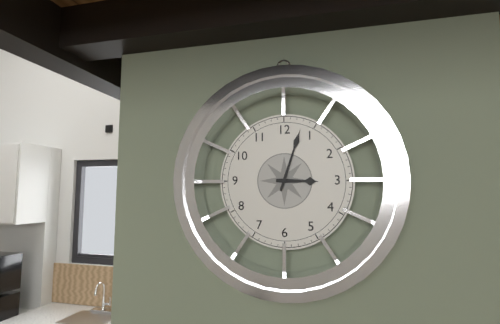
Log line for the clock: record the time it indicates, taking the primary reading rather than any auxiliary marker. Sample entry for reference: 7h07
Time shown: 3h03
